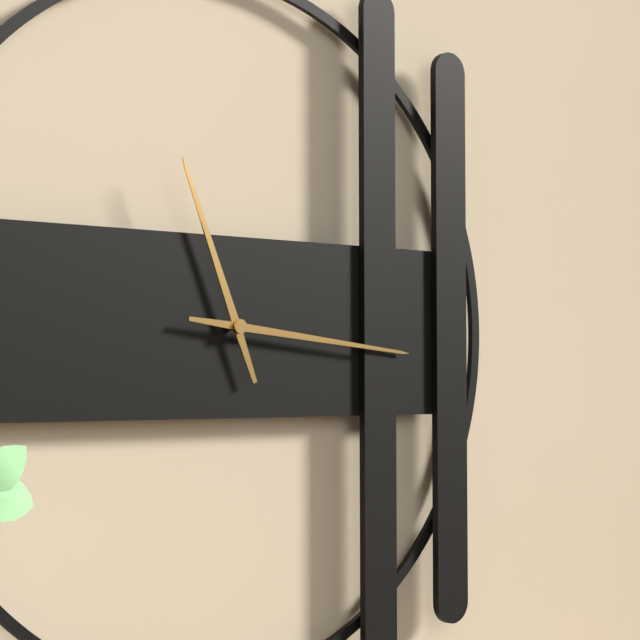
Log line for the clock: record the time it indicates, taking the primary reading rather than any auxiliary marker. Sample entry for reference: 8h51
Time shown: 11h16
